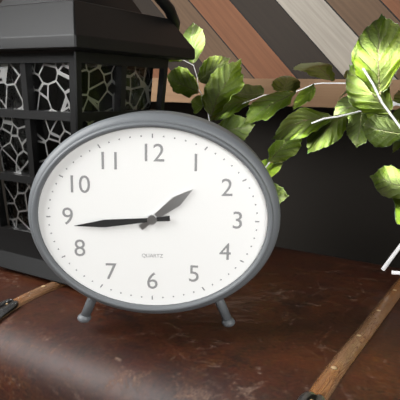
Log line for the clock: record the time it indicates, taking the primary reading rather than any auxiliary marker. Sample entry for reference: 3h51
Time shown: 1h44
